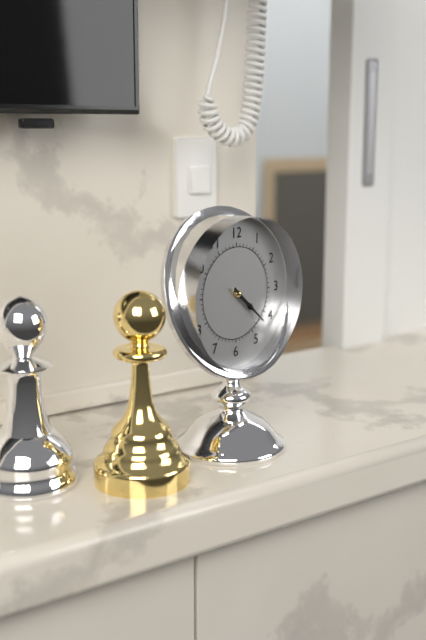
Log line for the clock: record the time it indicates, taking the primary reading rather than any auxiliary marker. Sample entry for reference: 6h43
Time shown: 4h22
